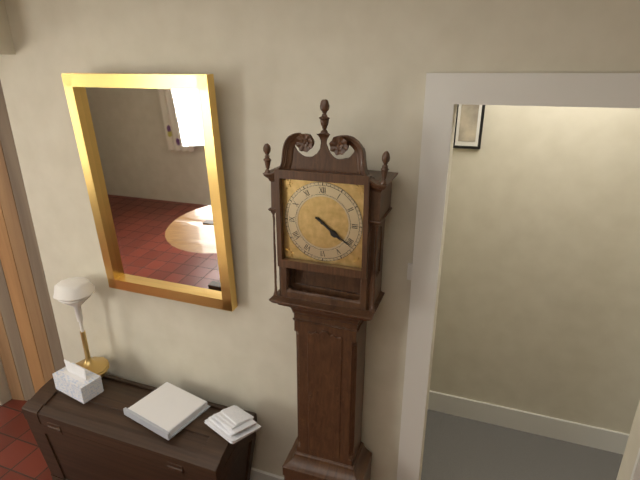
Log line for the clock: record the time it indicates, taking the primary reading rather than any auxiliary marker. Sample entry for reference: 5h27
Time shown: 4h21
